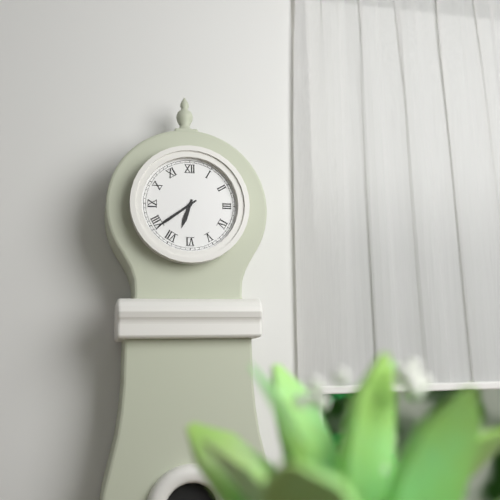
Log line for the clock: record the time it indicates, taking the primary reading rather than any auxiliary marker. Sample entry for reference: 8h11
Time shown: 6h39
